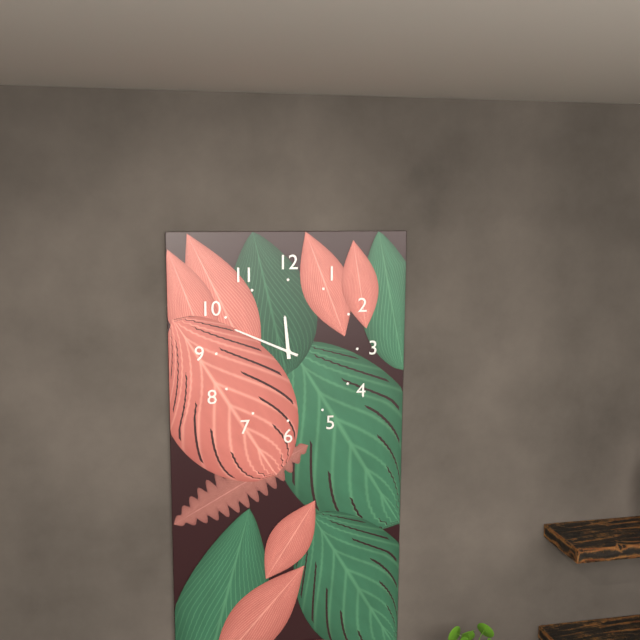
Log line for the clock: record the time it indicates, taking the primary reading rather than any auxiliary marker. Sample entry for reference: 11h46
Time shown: 11h49
